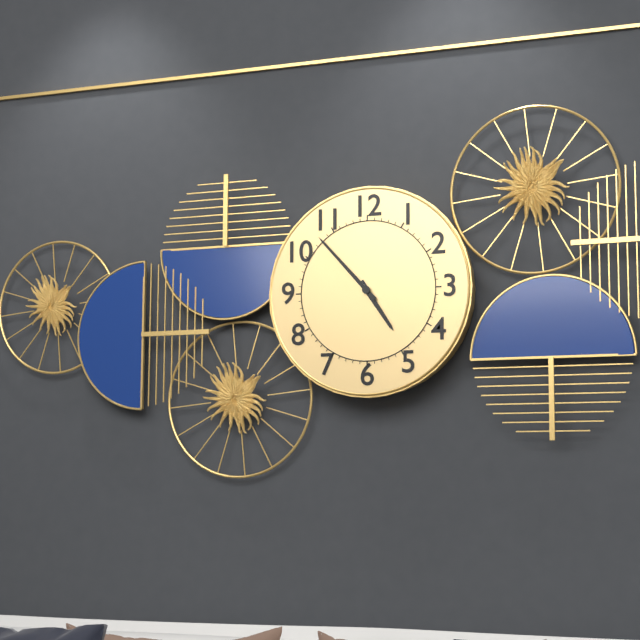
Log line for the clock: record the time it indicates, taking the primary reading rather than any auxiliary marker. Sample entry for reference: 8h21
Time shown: 4h53
